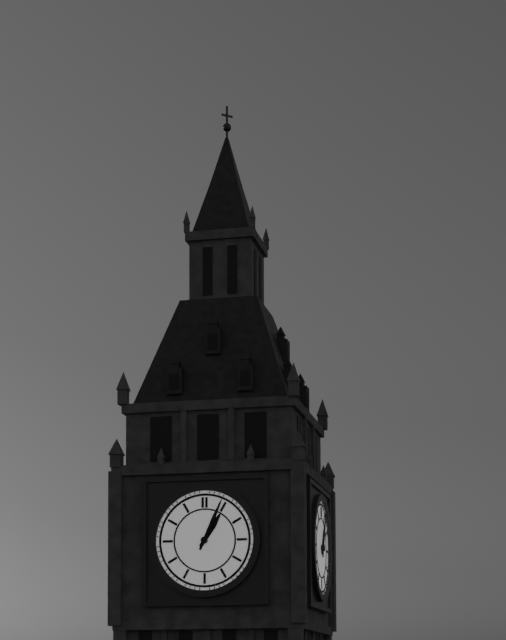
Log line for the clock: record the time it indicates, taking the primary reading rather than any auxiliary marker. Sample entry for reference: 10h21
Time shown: 1h04
